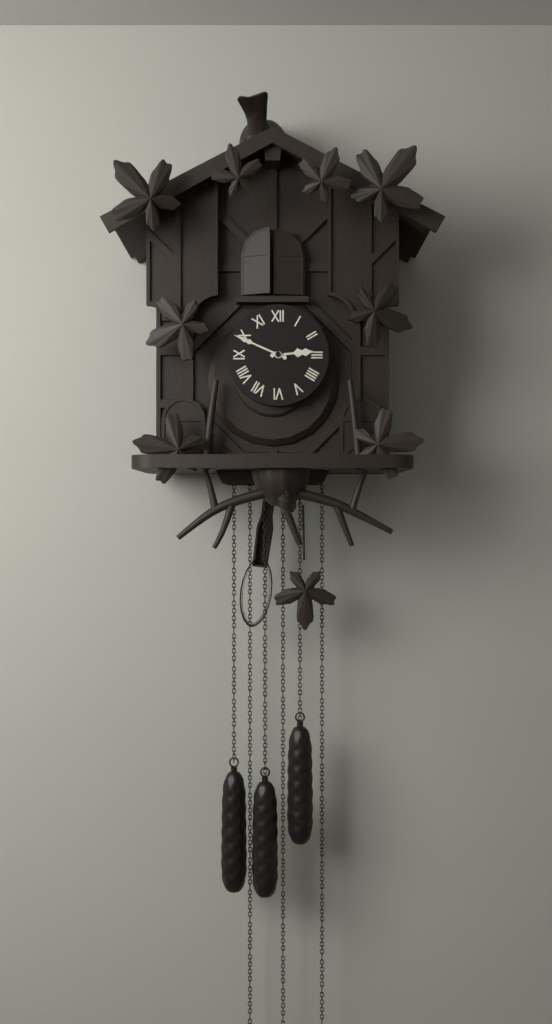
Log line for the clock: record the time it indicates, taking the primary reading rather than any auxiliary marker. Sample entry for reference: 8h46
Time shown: 2h49
